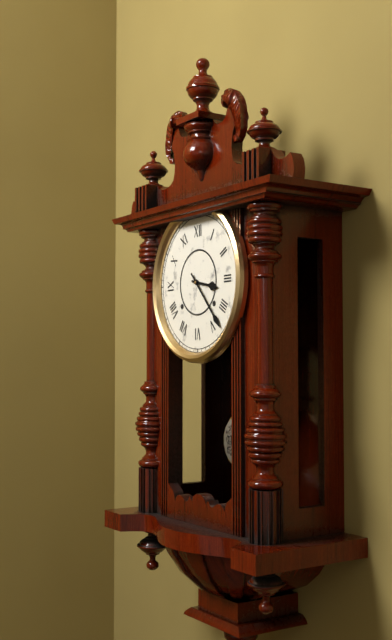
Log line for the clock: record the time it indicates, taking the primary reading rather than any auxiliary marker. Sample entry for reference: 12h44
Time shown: 3h23
